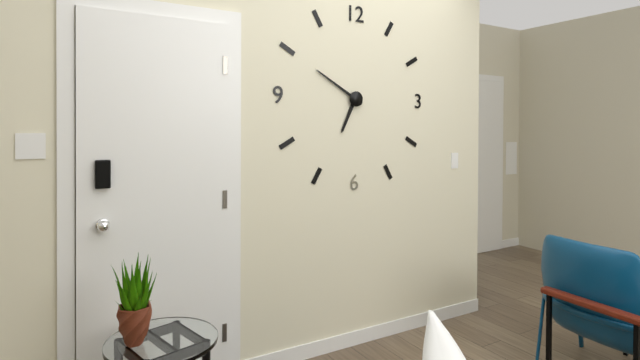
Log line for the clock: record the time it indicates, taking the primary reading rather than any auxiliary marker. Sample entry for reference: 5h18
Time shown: 6h50
